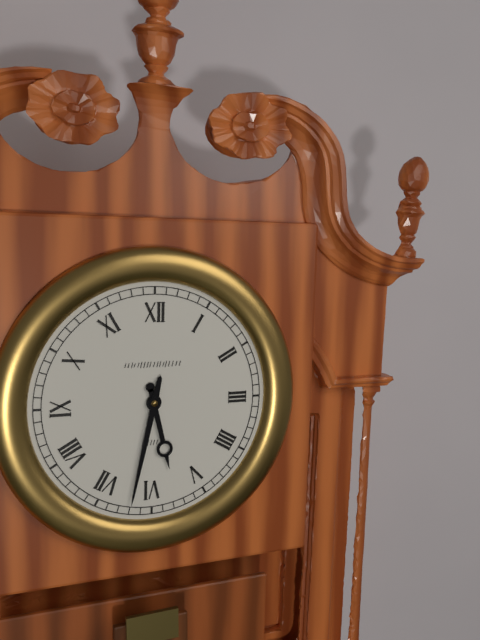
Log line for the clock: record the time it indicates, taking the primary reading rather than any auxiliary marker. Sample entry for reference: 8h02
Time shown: 5h32
